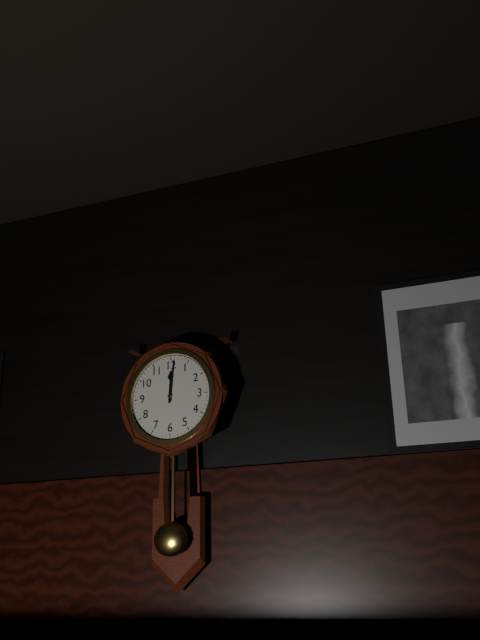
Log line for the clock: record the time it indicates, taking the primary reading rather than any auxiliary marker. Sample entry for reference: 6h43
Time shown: 12h01
